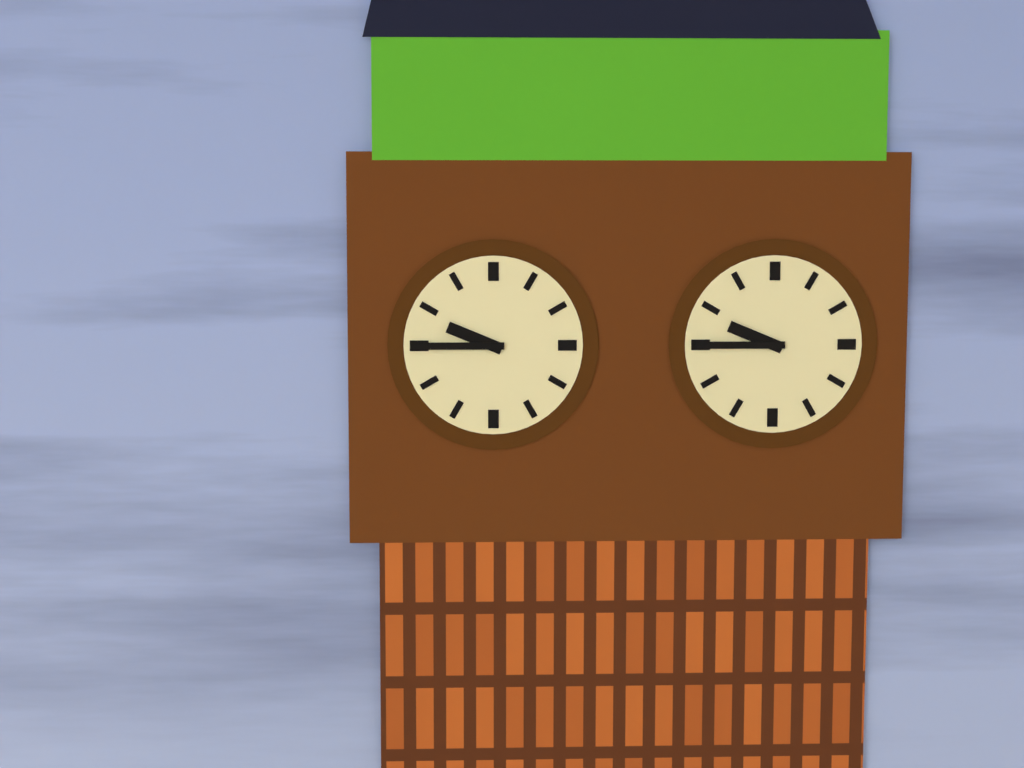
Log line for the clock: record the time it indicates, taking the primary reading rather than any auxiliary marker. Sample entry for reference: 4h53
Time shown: 9h45
